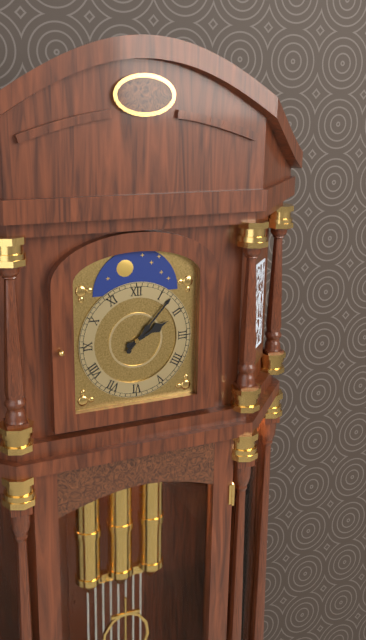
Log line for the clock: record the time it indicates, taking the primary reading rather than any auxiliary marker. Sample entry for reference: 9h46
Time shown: 2h07
